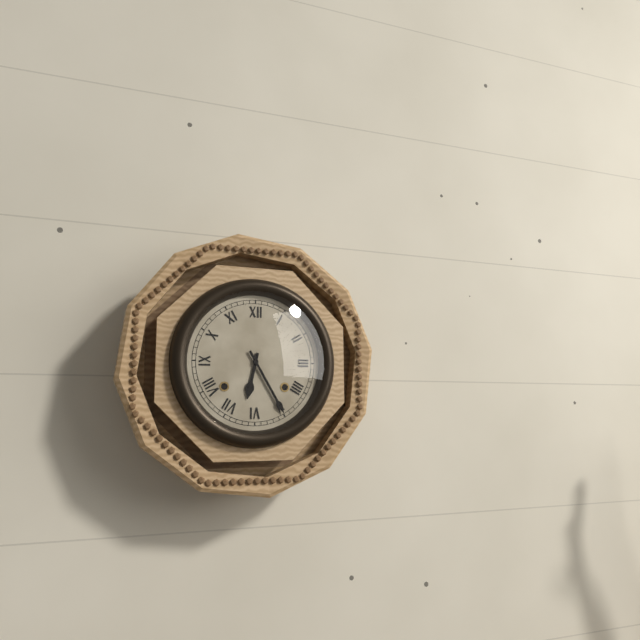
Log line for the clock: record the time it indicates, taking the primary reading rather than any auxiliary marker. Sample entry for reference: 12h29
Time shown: 6h25
